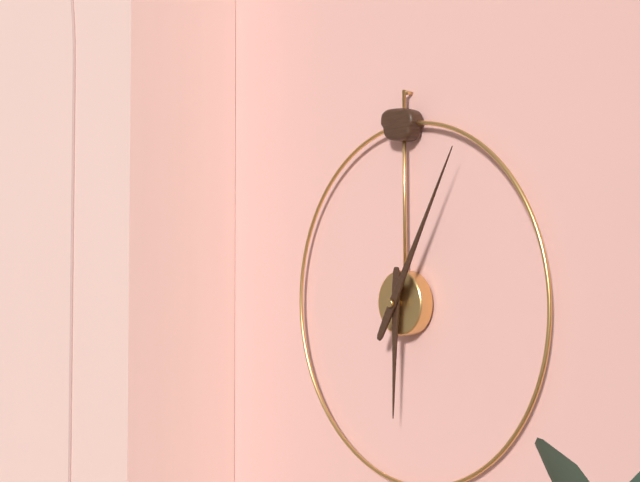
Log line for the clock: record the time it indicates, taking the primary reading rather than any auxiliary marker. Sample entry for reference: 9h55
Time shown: 6h05
